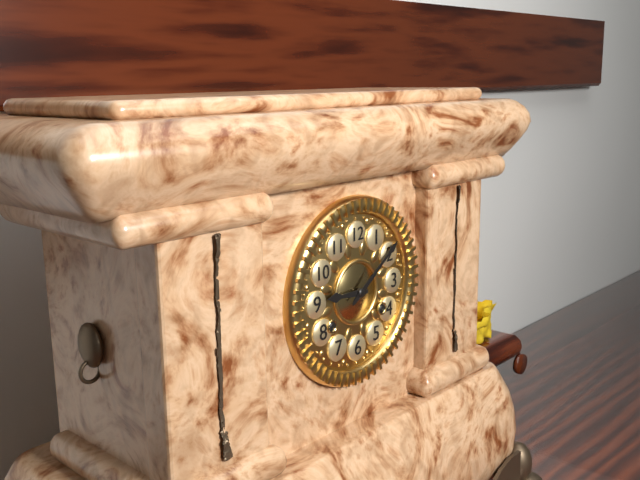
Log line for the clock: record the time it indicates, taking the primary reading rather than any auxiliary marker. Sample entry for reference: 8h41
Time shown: 9h09
